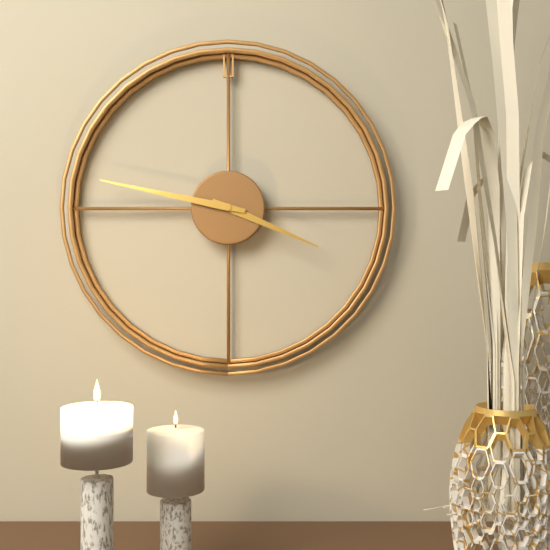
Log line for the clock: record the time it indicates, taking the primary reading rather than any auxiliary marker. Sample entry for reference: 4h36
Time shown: 3h47
